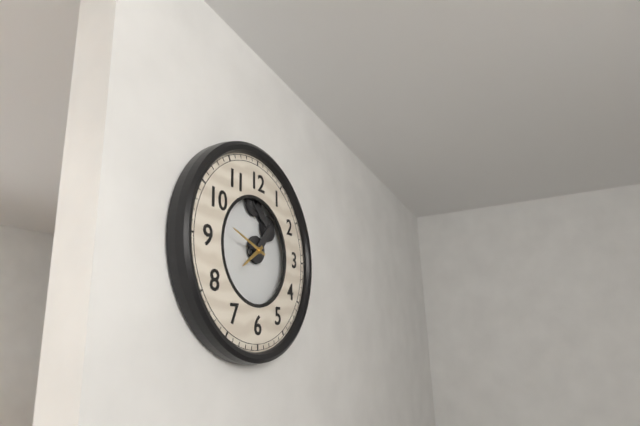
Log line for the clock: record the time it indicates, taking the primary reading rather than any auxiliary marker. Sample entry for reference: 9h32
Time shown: 7h48
